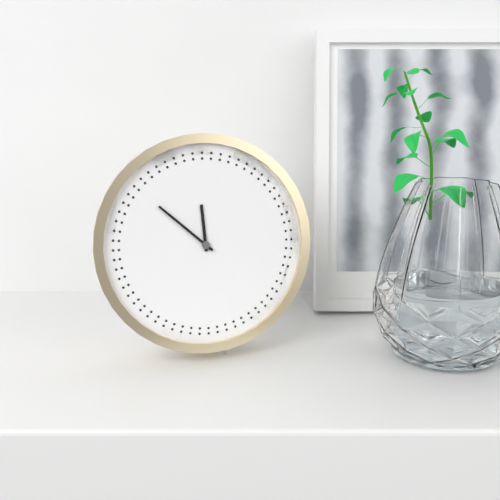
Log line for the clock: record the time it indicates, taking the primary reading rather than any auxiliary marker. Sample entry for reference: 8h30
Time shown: 11h52
